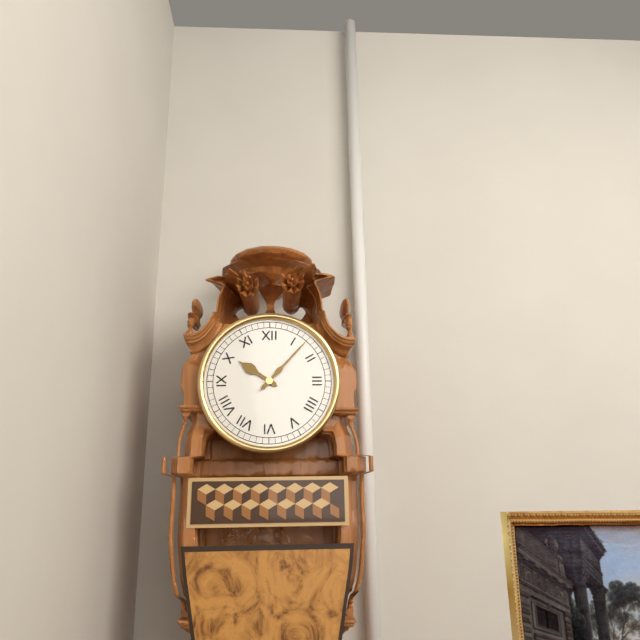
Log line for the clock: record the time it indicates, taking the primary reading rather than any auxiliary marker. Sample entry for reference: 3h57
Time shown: 10h07
